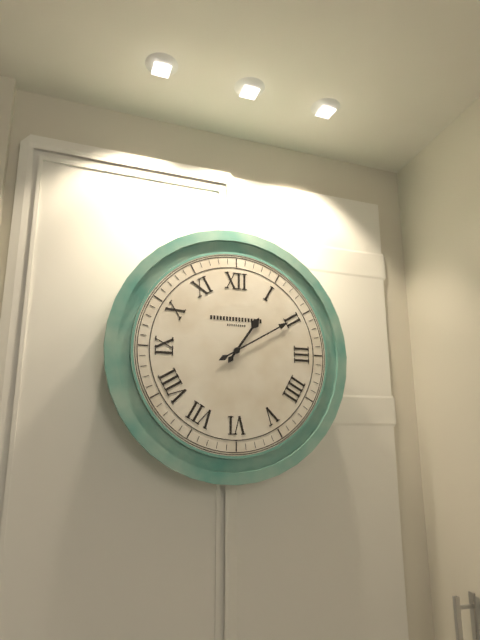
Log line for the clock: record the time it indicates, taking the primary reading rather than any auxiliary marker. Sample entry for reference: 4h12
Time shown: 1h10
